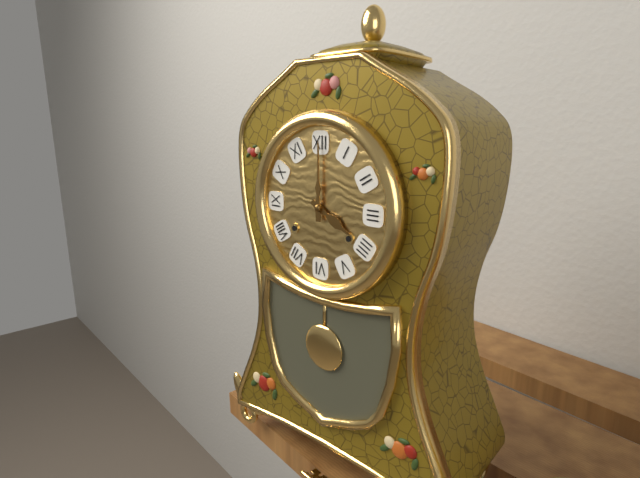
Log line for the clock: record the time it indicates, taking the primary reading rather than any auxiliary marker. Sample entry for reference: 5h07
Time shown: 4h00
